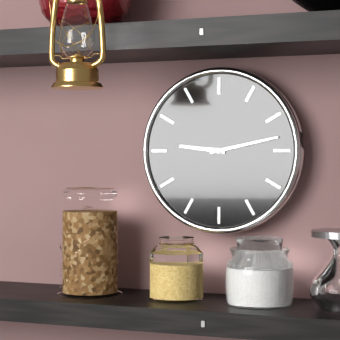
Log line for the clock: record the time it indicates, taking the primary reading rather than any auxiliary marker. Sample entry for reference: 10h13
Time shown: 9h13
